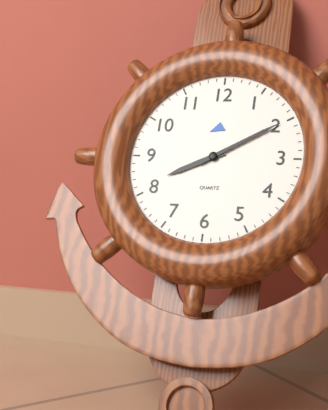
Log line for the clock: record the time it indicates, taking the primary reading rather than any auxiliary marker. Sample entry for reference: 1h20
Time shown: 8h10
